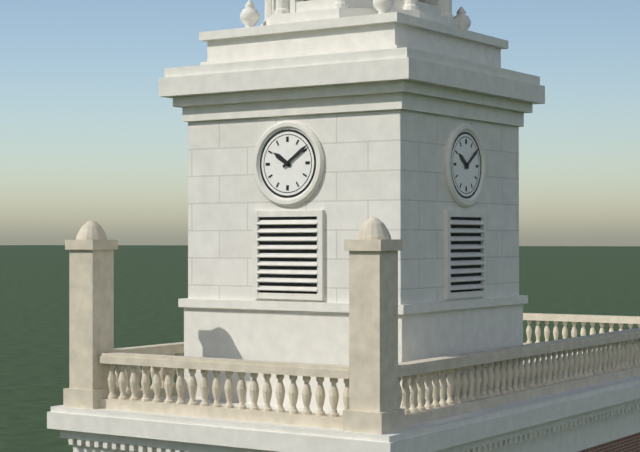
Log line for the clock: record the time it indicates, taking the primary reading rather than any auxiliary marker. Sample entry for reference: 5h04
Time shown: 10h09
